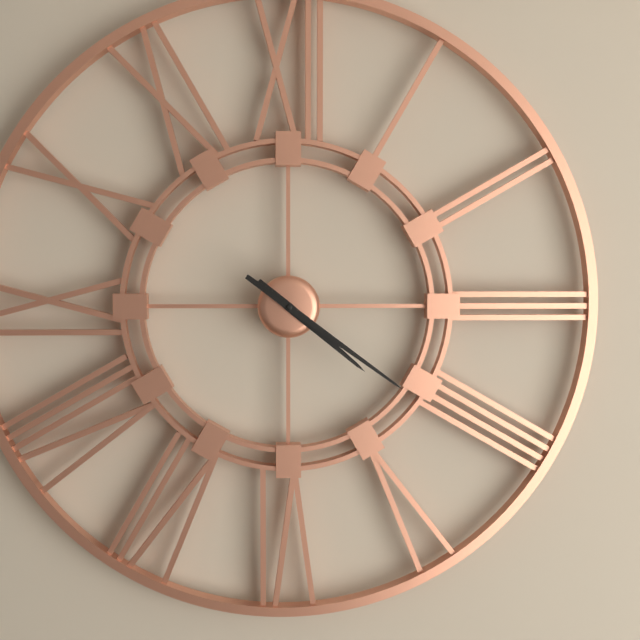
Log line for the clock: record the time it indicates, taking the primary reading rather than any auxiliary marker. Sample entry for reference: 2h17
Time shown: 4h21
